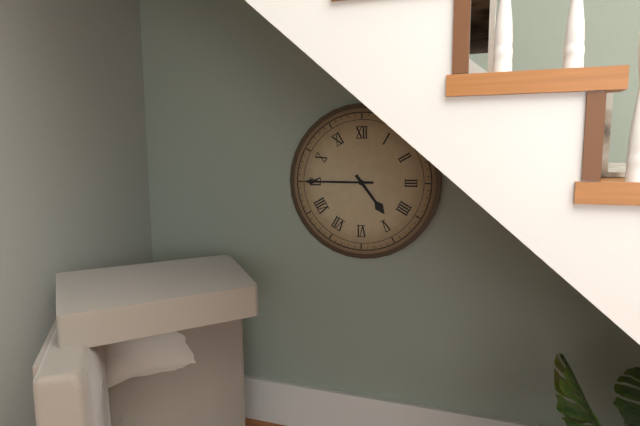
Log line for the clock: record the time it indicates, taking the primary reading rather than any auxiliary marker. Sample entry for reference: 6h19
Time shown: 4h45
